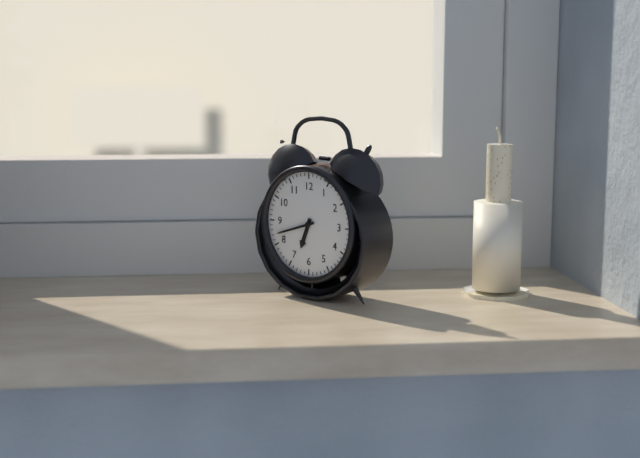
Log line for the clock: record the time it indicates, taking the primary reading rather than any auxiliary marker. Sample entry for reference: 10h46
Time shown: 6h42
